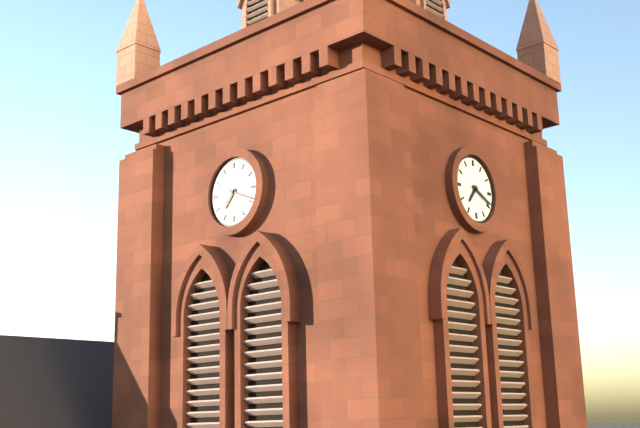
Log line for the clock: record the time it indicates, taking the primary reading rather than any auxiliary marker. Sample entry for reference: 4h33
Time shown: 7h19
